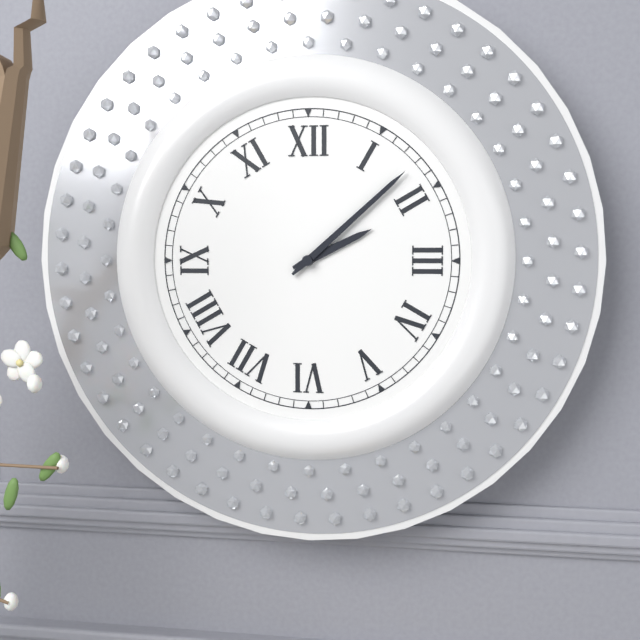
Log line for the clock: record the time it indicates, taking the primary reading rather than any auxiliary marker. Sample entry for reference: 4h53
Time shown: 2h08
